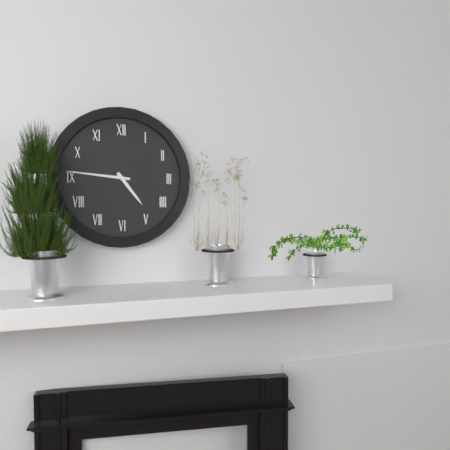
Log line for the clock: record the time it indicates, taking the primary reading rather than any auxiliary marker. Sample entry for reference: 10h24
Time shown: 4h46
